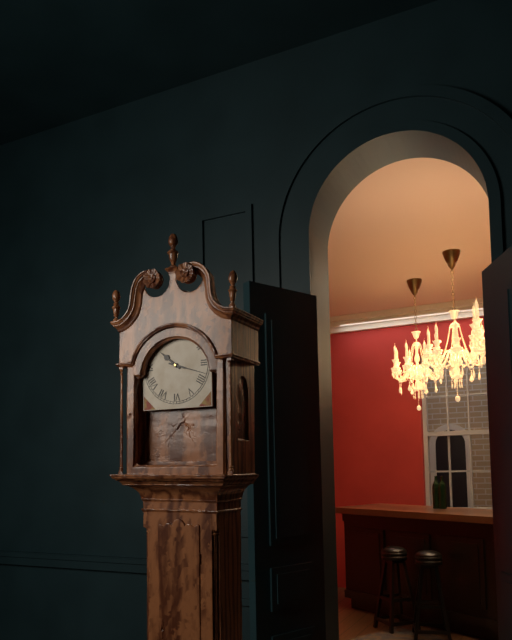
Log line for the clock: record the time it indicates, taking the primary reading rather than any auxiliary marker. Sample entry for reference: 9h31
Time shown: 10h18
